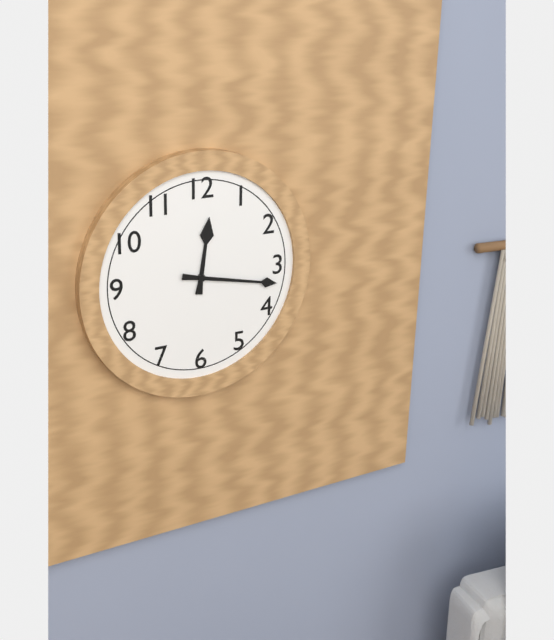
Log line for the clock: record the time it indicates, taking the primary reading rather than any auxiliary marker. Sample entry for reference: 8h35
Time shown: 12h17
